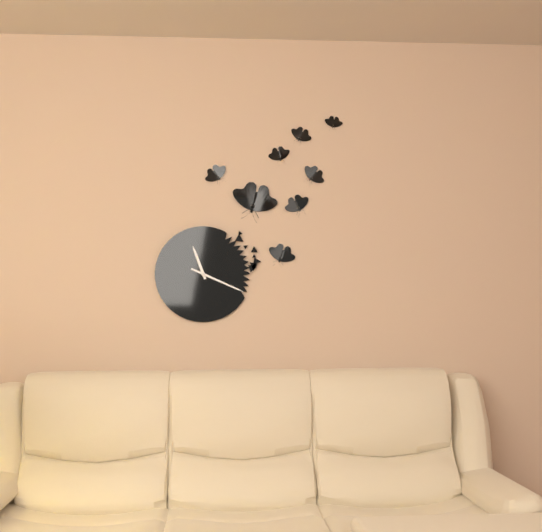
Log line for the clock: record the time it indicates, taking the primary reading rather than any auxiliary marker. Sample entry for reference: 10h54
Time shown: 11h19
